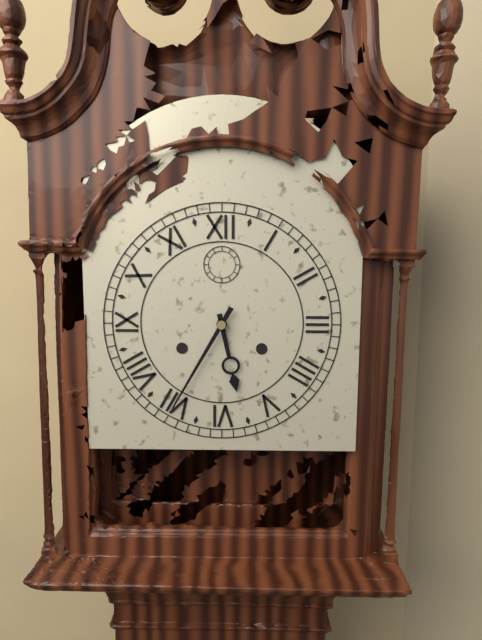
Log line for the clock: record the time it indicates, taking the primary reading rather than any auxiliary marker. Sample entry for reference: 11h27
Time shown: 5h35
